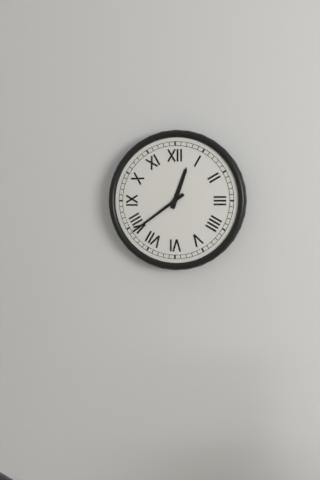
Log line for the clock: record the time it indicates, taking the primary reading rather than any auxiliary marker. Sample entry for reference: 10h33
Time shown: 12h39
